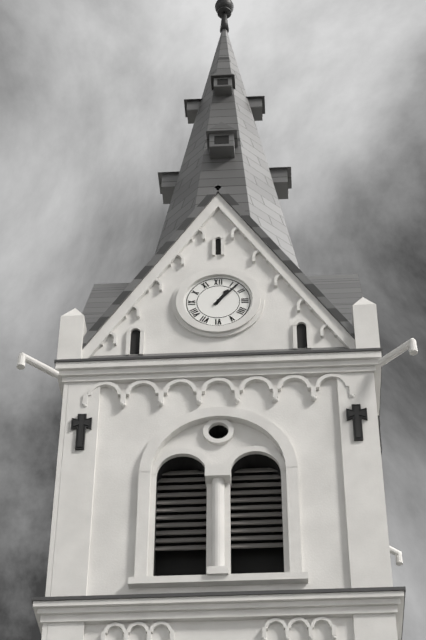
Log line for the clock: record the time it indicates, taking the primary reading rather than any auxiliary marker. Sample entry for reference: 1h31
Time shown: 1h07
